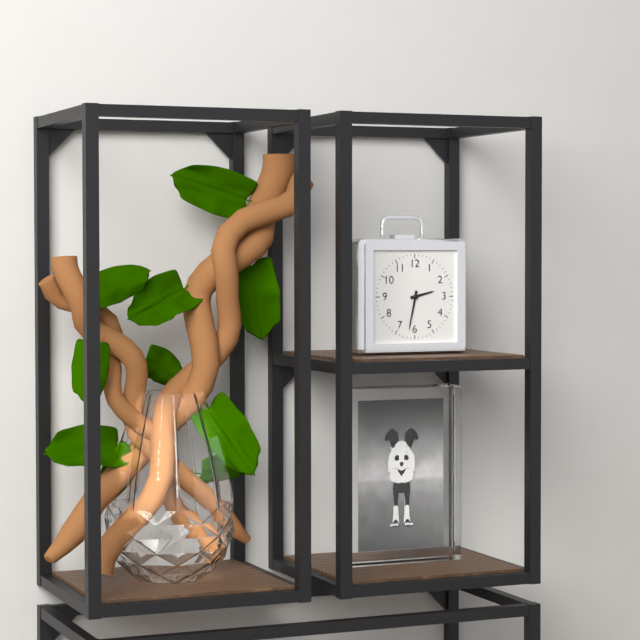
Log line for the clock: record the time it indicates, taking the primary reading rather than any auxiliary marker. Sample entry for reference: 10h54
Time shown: 2h32
